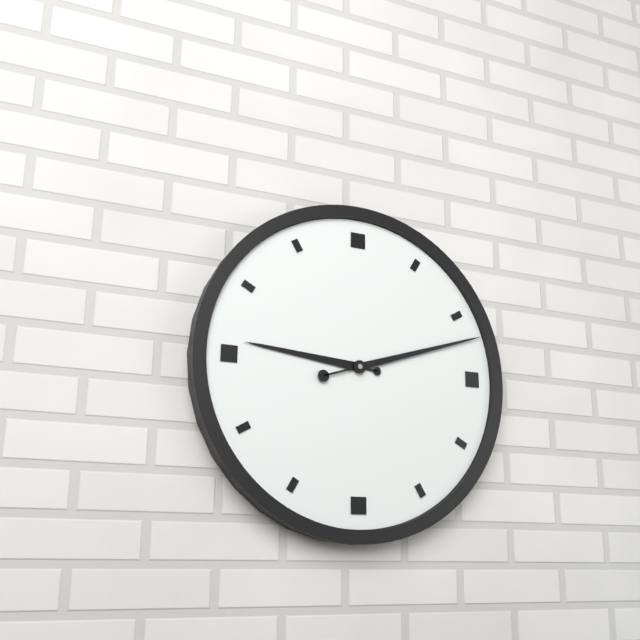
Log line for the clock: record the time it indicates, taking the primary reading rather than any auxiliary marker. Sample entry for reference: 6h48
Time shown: 9h12
